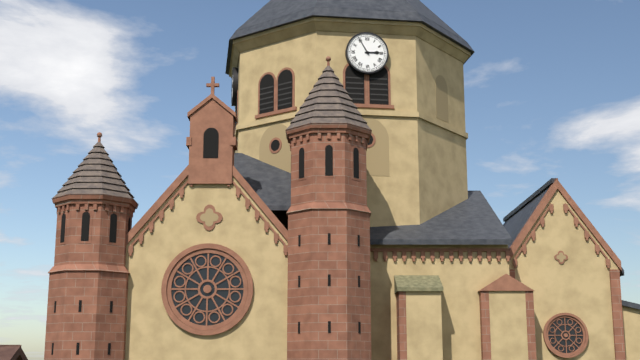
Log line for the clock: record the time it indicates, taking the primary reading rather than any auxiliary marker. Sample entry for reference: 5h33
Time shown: 2h55
